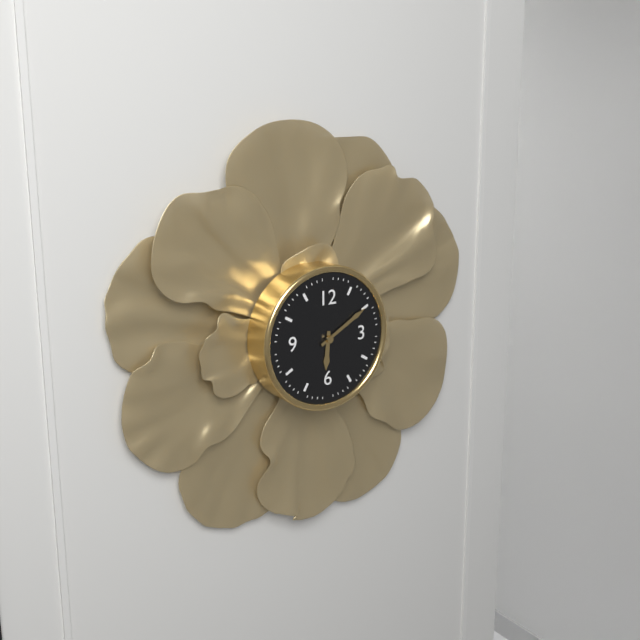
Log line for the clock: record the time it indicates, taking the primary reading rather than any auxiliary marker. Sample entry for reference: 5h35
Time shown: 6h10
